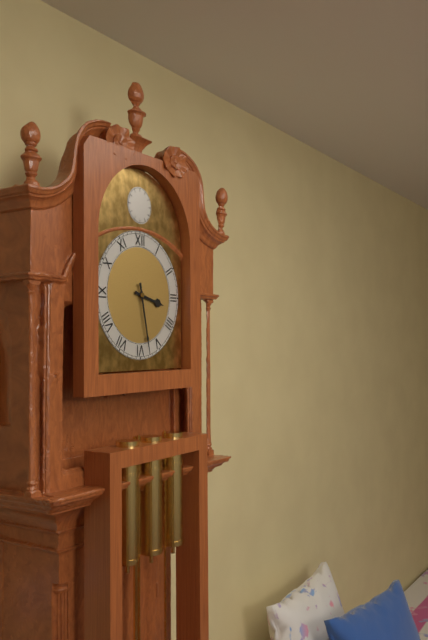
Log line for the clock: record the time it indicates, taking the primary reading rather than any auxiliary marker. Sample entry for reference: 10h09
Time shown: 3h28
